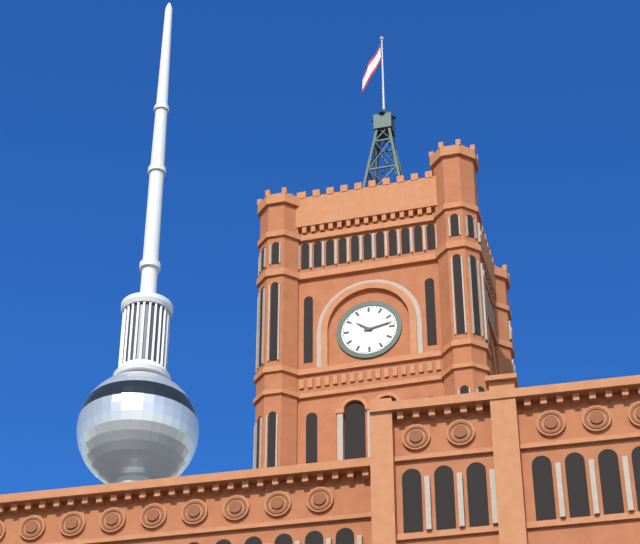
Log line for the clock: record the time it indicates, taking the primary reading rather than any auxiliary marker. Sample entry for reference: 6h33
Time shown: 10h13
